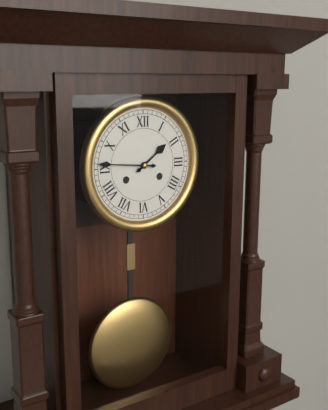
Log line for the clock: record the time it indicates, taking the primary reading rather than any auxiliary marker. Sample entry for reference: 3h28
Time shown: 1h46
